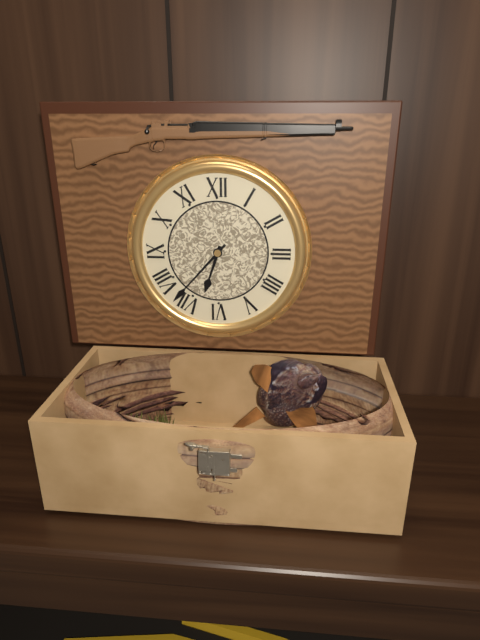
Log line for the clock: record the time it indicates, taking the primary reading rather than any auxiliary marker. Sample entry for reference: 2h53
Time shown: 6h37
